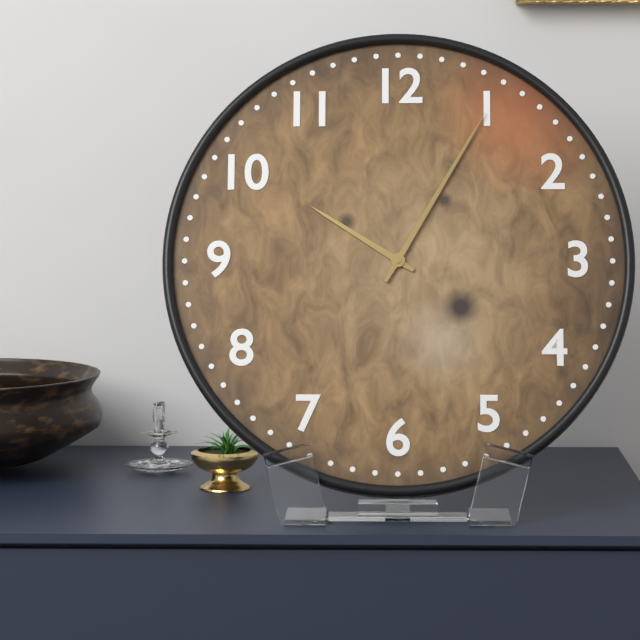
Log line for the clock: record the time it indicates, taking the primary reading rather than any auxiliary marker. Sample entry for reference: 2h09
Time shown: 10h05
